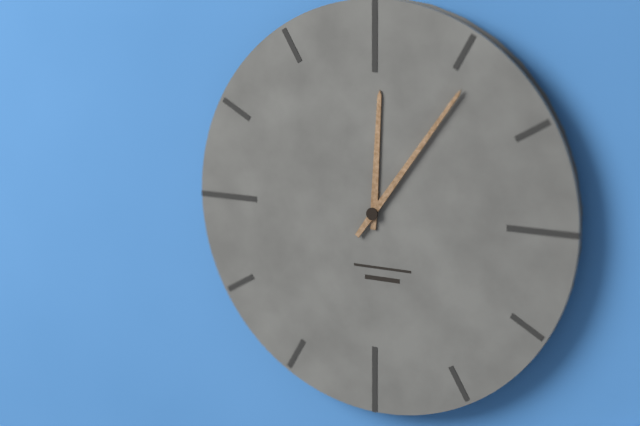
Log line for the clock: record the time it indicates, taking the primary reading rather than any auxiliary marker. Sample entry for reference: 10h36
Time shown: 12h06
